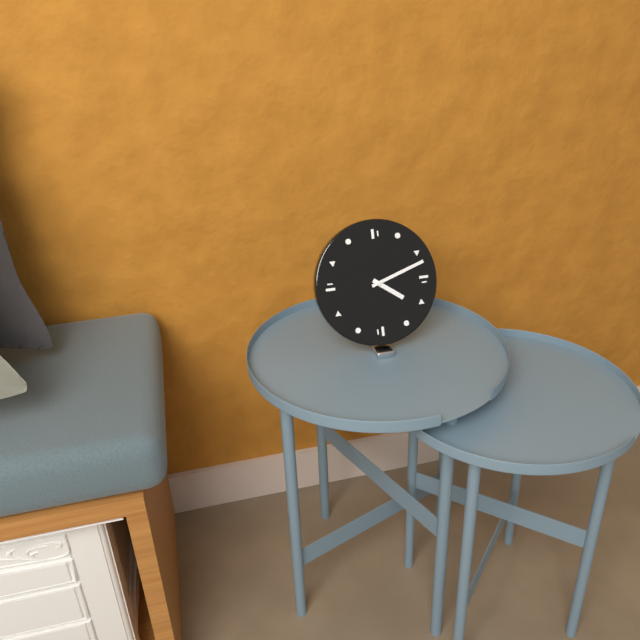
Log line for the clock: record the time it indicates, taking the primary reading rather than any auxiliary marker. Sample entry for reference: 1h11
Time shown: 4h12
